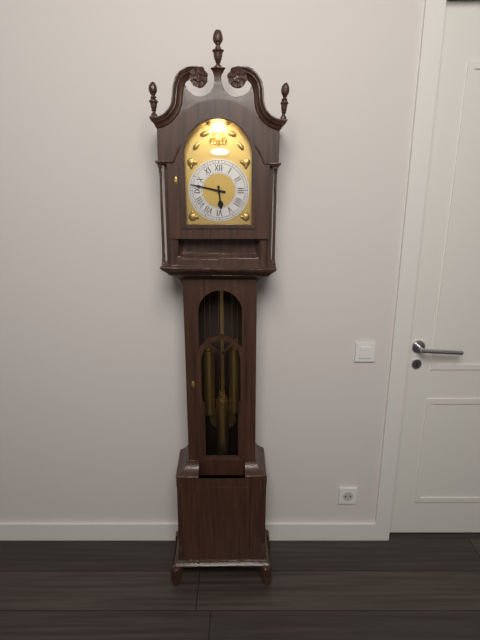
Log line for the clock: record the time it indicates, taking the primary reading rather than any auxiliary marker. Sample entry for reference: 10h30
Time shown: 5h47
